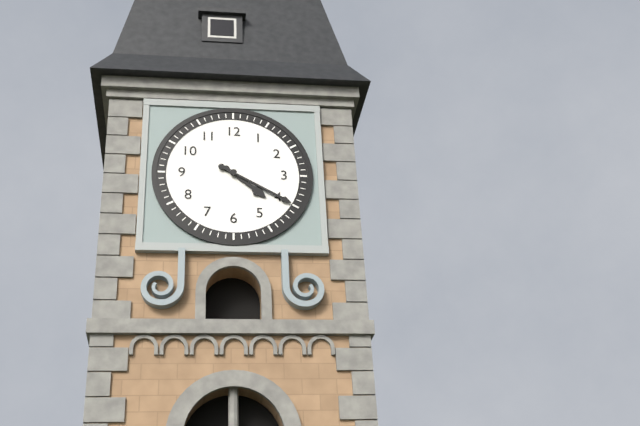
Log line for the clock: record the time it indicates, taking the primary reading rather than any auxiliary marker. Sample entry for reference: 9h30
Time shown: 4h20
